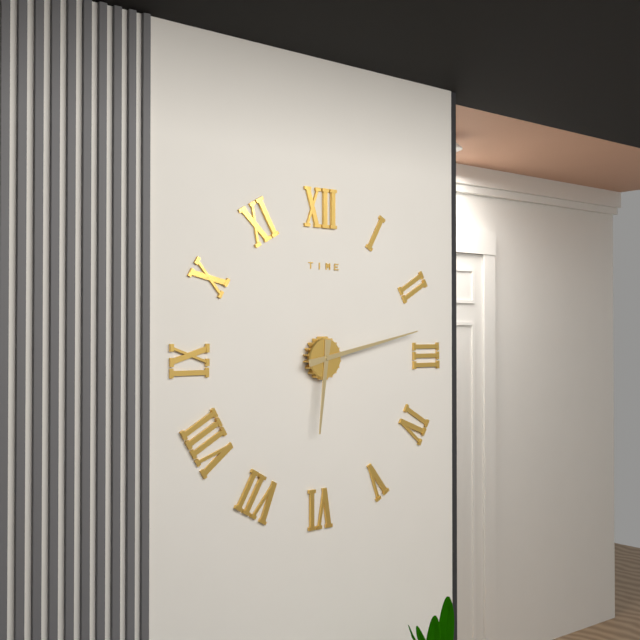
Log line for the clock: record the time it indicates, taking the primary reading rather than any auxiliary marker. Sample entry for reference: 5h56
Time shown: 6h13
